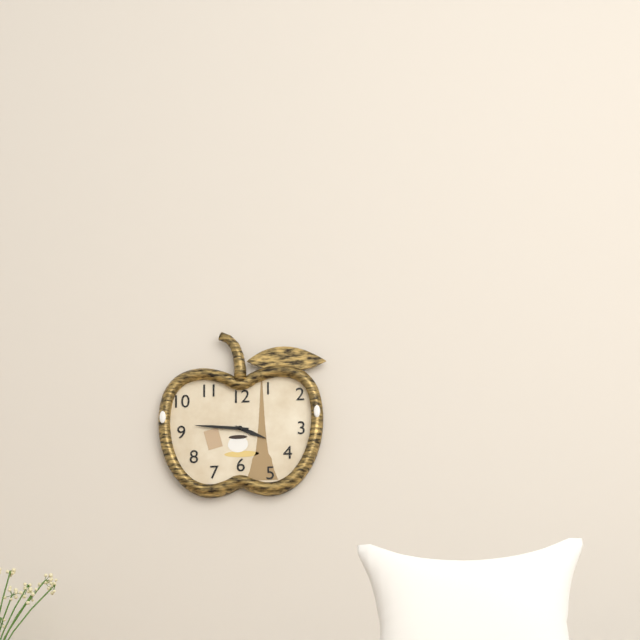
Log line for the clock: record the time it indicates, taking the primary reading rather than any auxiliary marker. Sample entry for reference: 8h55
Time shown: 3h46
